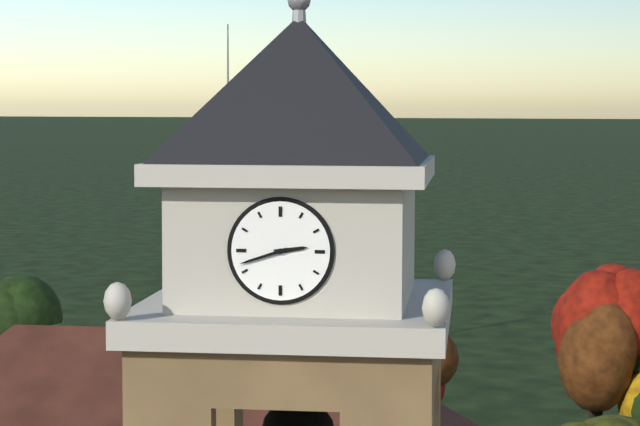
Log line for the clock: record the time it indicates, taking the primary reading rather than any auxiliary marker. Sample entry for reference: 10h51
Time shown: 2h42
